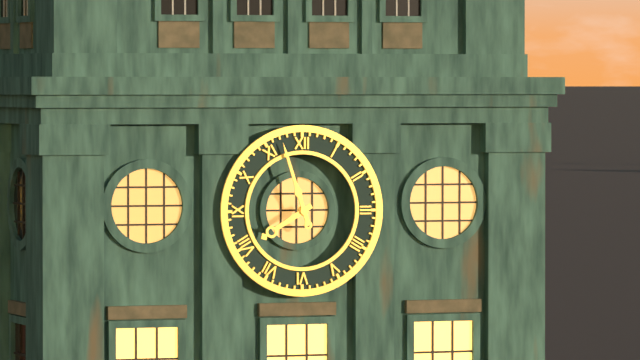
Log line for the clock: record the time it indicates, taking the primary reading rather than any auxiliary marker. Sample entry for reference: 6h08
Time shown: 7h57
